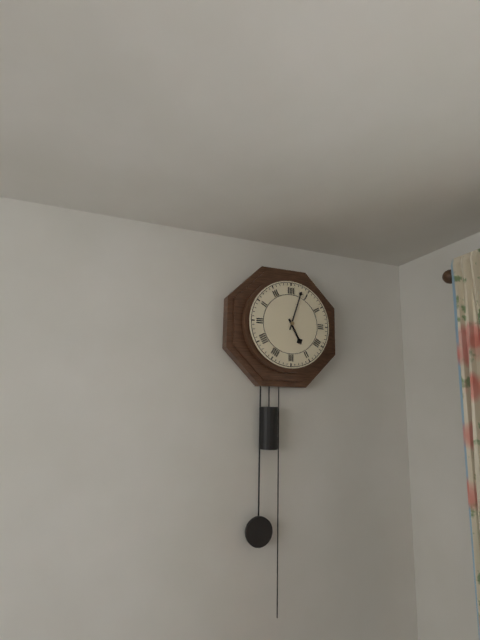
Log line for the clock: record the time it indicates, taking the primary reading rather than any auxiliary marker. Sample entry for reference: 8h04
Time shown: 5h03
